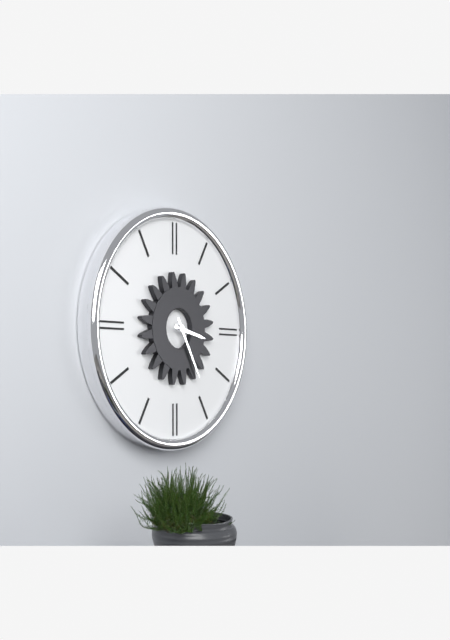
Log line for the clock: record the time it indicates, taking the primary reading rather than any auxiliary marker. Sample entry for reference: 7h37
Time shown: 3h25
